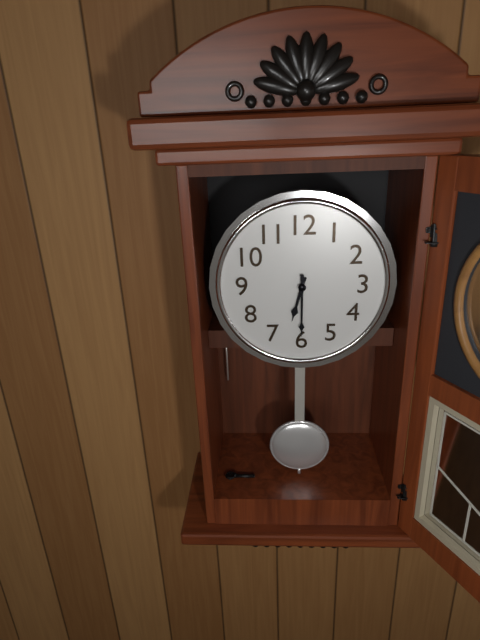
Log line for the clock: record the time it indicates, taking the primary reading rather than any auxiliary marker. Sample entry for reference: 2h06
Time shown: 6h30
